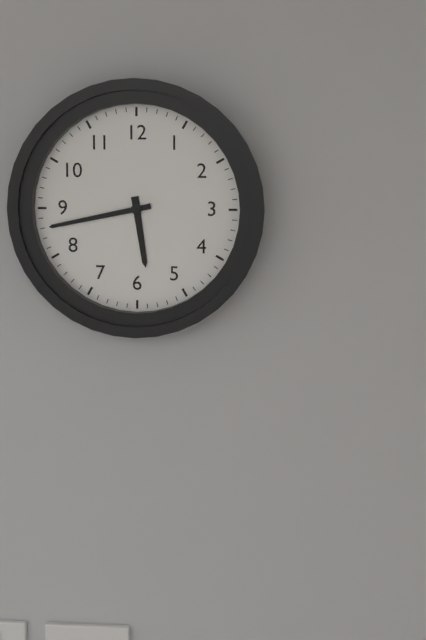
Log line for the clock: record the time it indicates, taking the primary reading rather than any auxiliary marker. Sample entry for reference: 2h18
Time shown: 5h43
